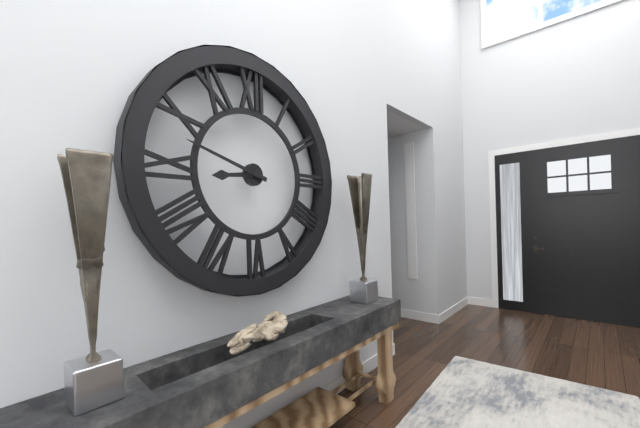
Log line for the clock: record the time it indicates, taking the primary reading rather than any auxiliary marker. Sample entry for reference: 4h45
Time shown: 8h48
